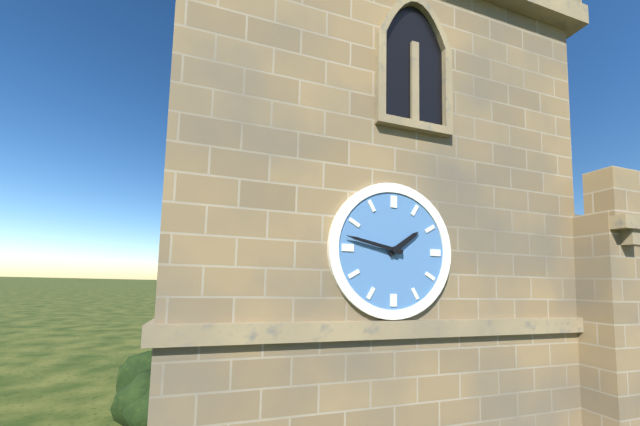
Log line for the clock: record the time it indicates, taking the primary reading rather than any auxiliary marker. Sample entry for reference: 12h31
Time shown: 1h47
